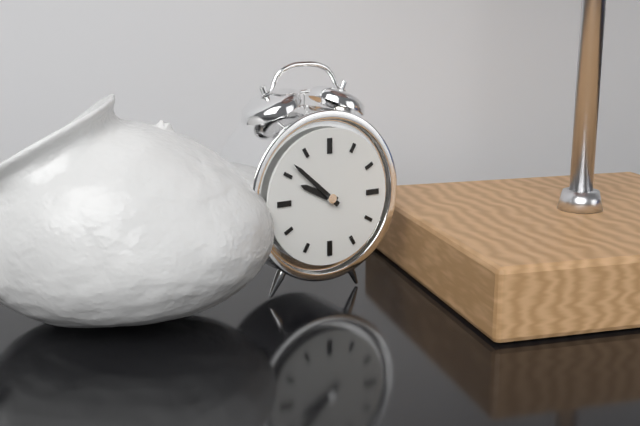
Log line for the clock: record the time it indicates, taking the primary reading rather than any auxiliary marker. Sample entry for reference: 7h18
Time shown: 9h52
